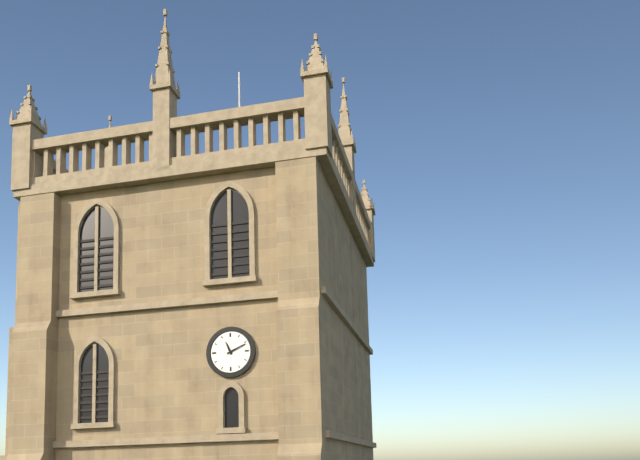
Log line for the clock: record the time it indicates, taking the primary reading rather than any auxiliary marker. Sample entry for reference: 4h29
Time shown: 11h11
